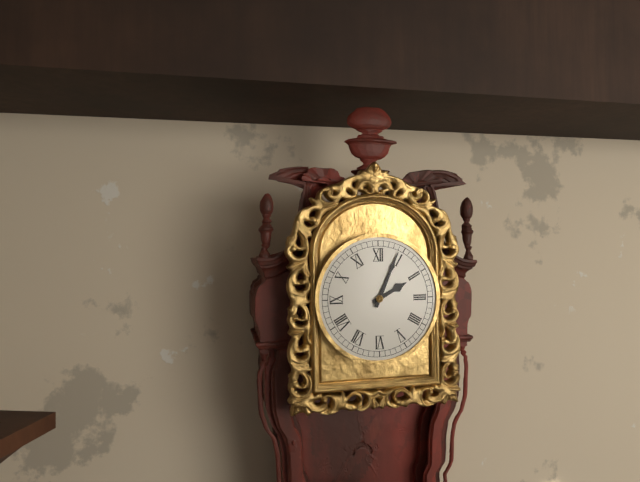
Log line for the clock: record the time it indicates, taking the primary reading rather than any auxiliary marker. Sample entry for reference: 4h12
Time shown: 2h04
